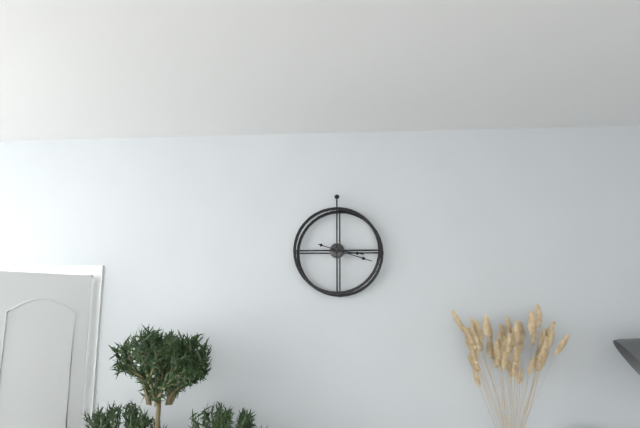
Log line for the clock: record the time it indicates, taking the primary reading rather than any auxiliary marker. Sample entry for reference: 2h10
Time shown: 3h18
